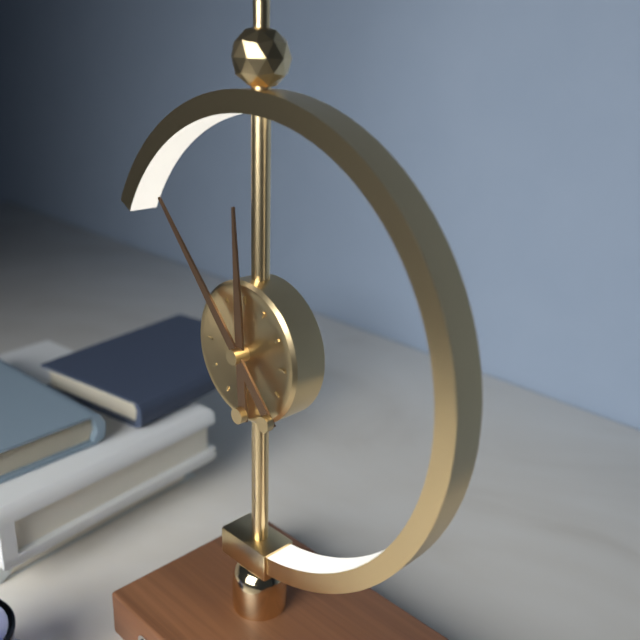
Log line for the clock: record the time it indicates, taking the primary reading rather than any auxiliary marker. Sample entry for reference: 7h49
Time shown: 11h53
